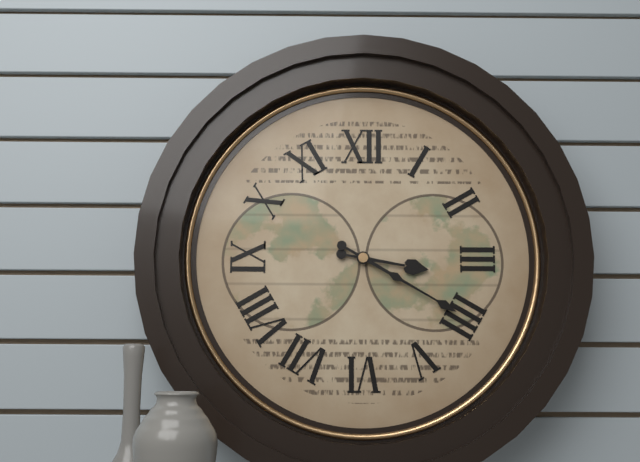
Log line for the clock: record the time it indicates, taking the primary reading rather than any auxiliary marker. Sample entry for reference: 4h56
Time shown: 3h20
